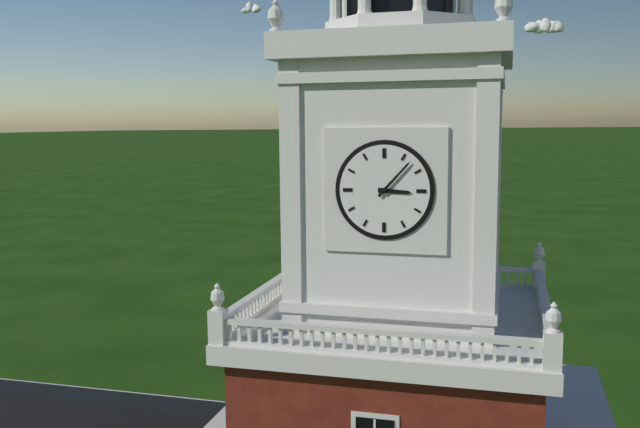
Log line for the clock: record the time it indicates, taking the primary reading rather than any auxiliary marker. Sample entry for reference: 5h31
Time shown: 3h07
